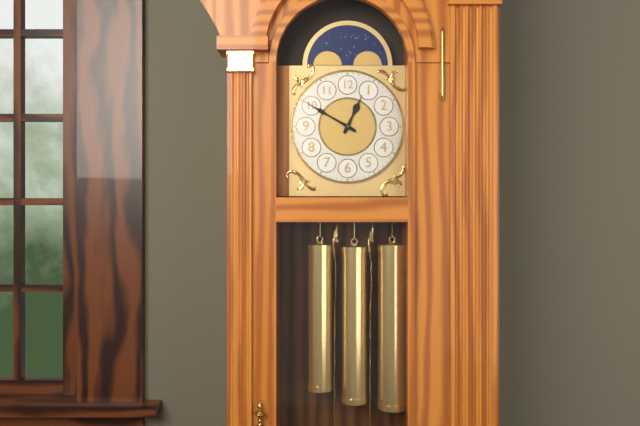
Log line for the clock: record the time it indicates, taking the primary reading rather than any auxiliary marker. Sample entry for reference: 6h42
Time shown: 12h50
